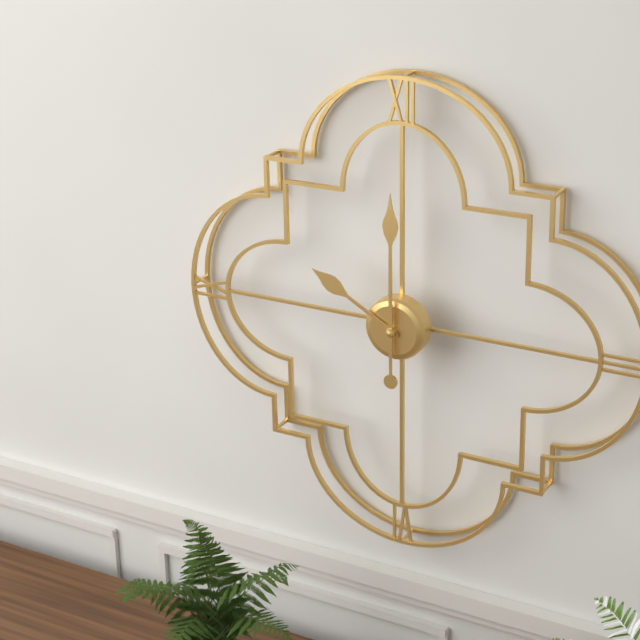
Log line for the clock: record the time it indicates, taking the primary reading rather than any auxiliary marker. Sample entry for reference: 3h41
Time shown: 10h00
